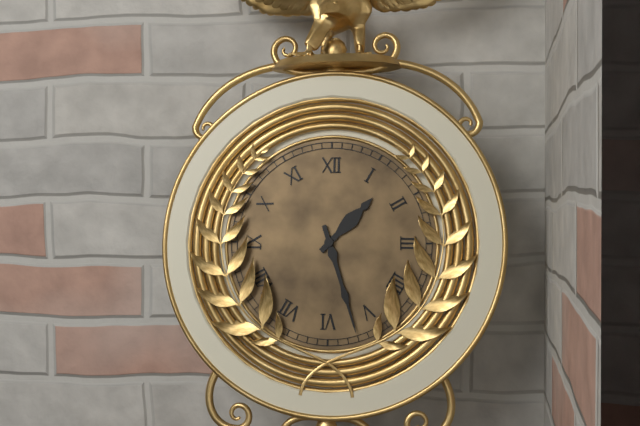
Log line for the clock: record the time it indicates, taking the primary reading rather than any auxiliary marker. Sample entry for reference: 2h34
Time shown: 1h27
